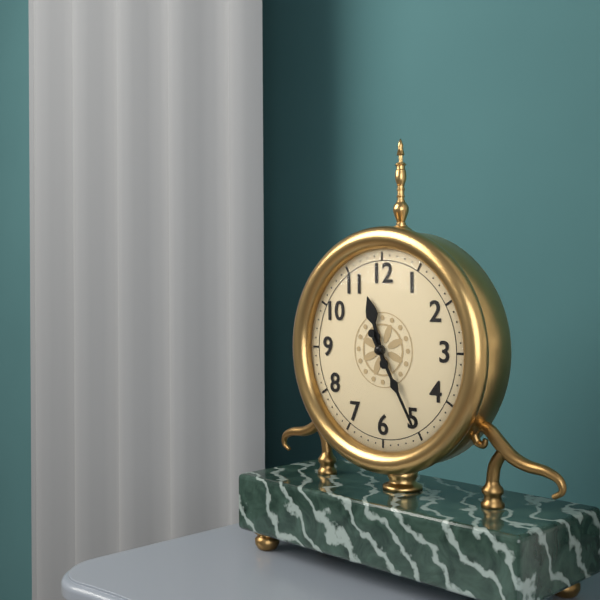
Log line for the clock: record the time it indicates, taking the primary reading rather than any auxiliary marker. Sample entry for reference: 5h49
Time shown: 11h25
